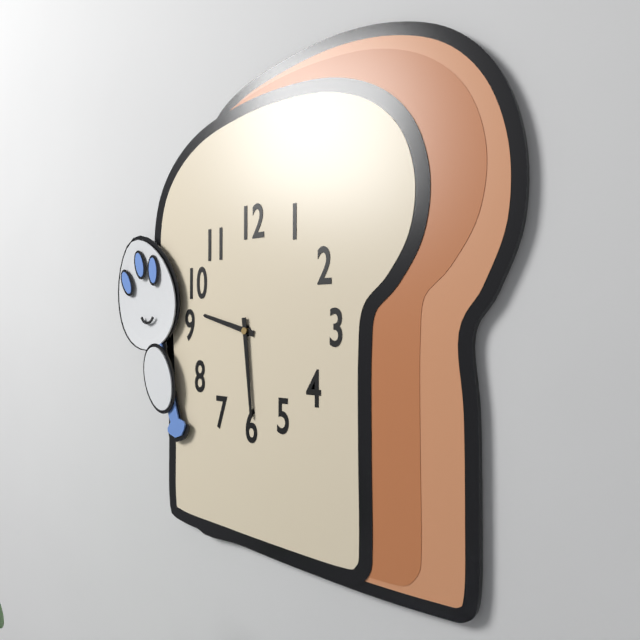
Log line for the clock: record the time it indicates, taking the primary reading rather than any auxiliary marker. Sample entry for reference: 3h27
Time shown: 9h29
